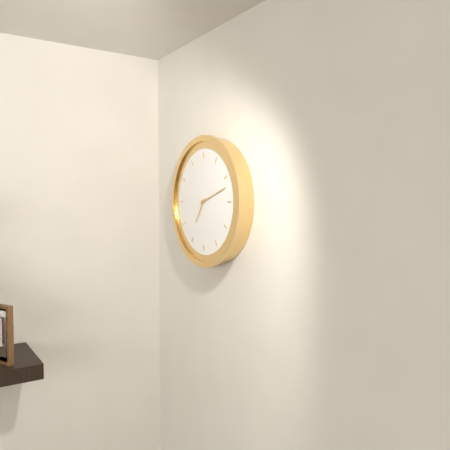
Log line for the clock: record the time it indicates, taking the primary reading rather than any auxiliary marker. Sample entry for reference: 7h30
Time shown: 7h12
